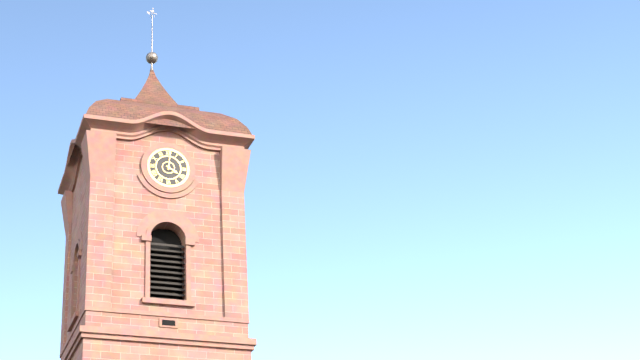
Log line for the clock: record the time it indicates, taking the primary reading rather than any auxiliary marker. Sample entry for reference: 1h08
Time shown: 4h01
